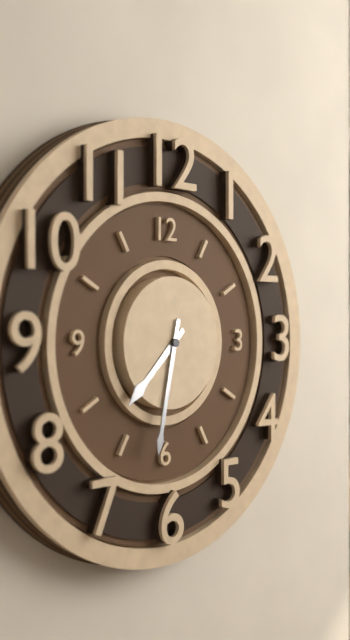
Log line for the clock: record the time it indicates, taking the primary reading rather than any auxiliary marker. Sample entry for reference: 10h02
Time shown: 7h32
